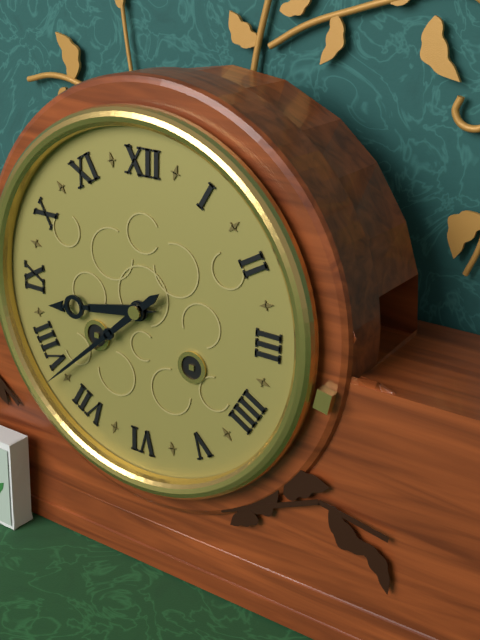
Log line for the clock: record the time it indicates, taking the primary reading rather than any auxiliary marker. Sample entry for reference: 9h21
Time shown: 8h38
